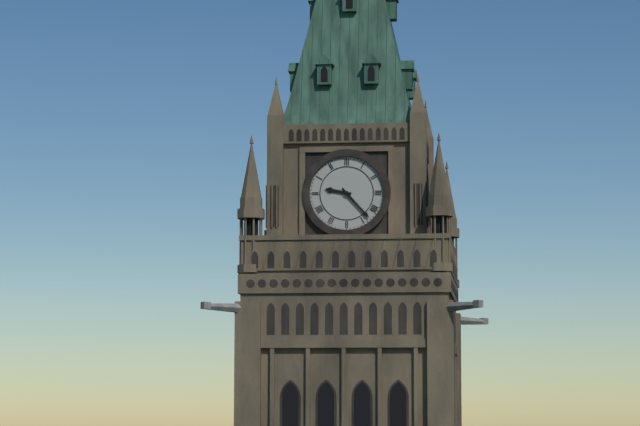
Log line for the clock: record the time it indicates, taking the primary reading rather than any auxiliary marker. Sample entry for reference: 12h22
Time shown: 9h23
